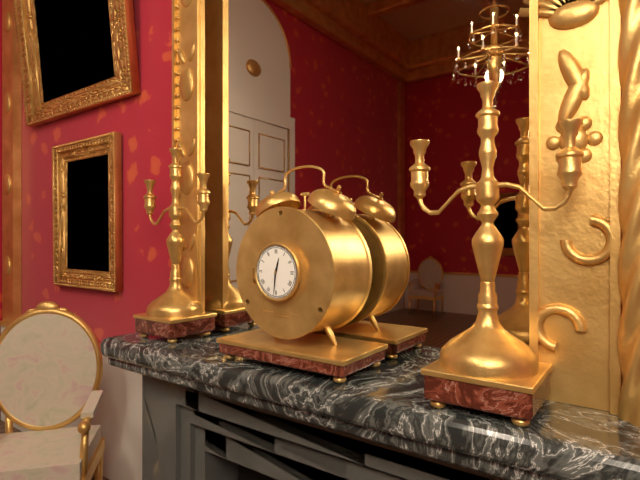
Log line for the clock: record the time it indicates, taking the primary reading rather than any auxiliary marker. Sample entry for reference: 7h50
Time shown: 12h31
